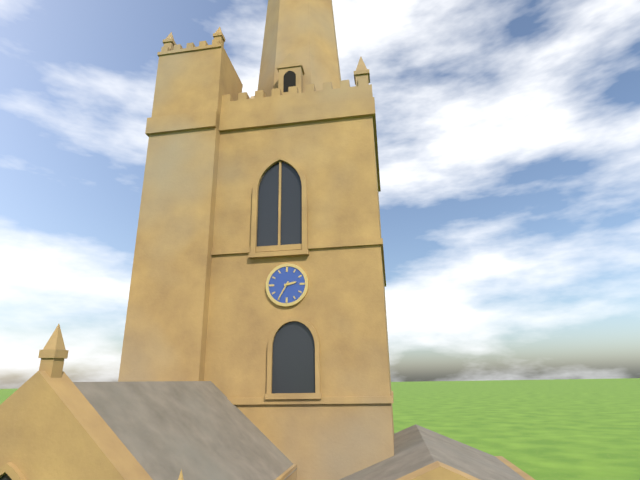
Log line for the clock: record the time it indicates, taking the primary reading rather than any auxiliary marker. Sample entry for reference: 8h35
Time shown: 2h35
